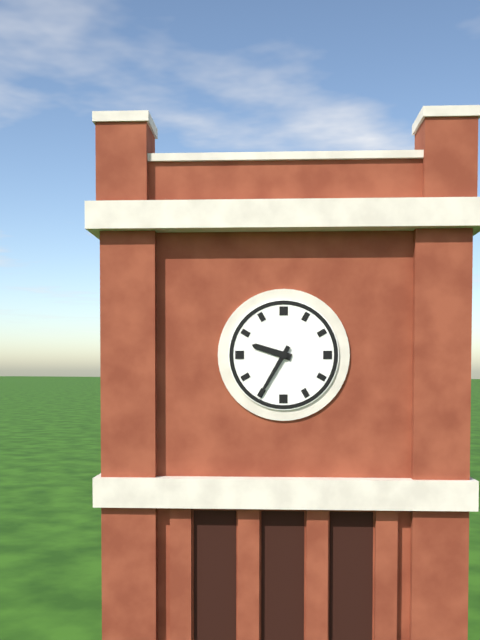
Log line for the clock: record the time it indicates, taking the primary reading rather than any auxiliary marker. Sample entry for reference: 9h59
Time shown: 9h35
